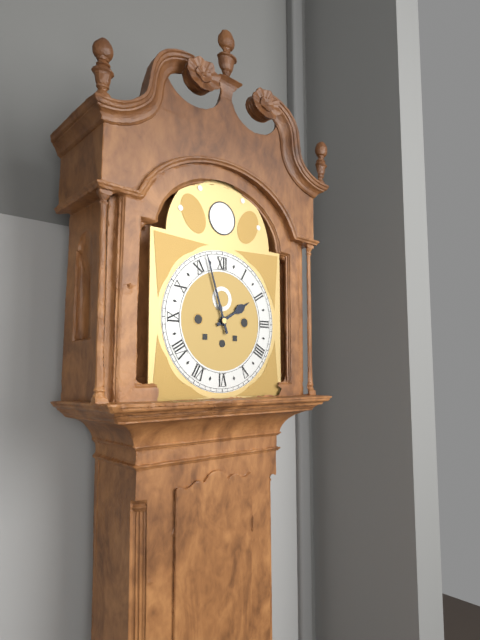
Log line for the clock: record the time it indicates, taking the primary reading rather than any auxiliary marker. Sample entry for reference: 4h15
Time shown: 1h57
